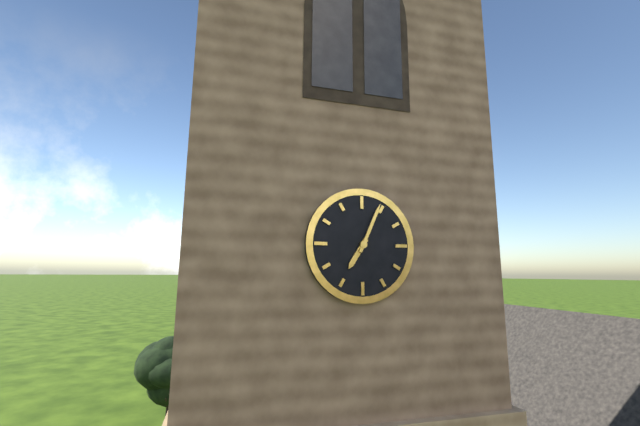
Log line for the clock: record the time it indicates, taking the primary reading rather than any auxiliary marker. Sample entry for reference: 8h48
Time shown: 7h04
